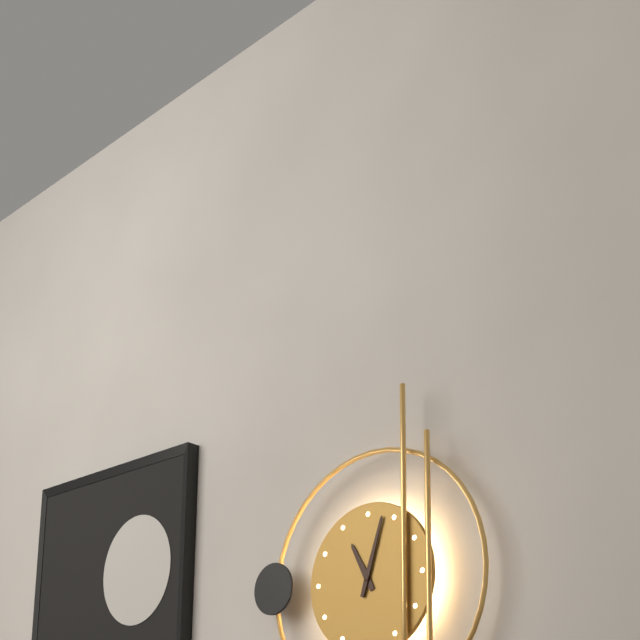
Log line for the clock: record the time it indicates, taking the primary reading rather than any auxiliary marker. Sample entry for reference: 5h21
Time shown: 11h03
